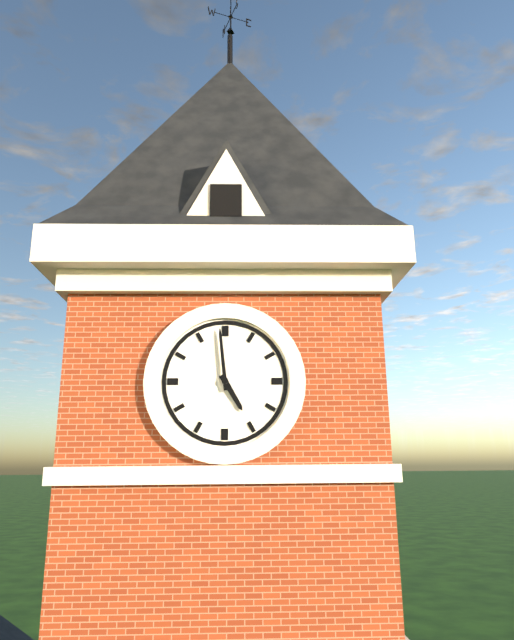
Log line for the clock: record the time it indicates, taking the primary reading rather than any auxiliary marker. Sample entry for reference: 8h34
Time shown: 4h59
